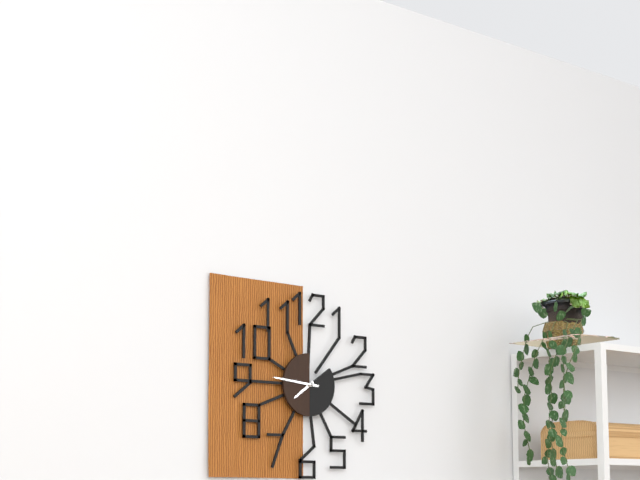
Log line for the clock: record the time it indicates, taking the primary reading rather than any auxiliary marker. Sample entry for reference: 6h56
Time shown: 7h46
